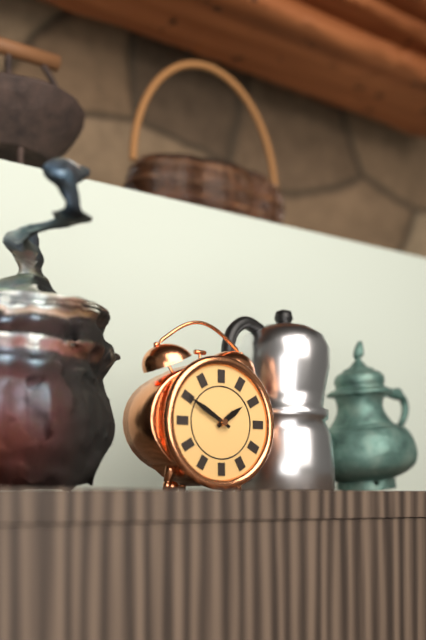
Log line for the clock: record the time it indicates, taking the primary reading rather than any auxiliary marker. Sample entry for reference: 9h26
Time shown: 1h50
